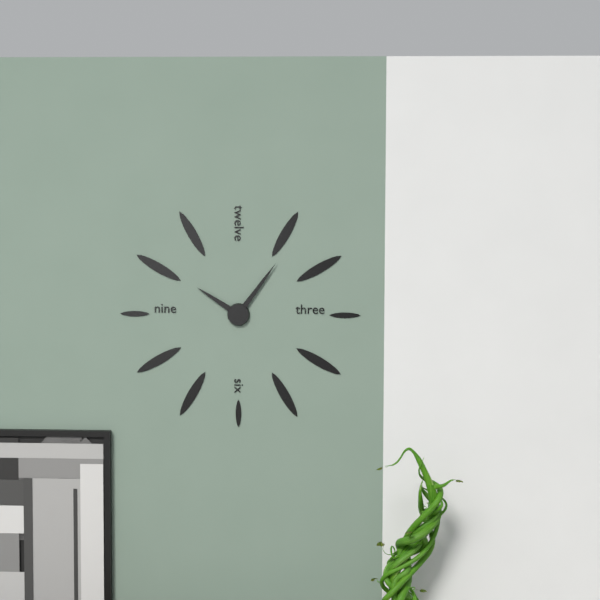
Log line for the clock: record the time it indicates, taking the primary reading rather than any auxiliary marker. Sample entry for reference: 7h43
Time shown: 10h06
